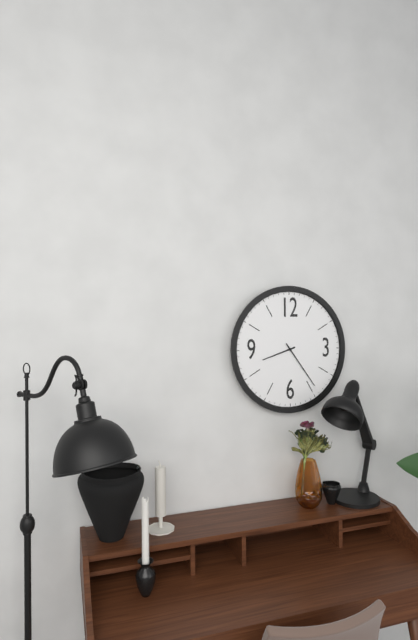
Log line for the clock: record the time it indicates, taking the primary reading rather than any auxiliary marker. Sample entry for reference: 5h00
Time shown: 8h24
